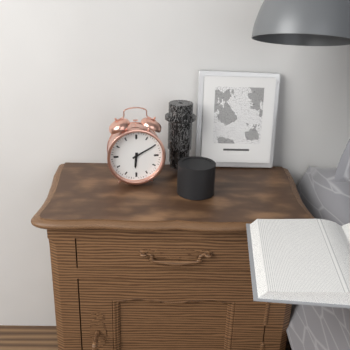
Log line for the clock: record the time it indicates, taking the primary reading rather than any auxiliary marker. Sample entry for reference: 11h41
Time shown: 6h10
